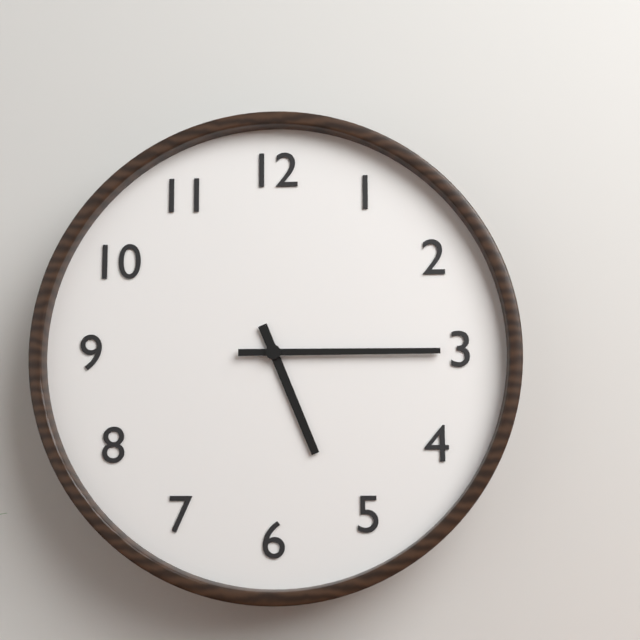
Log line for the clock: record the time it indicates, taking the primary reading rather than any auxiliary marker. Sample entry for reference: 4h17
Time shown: 5h15
